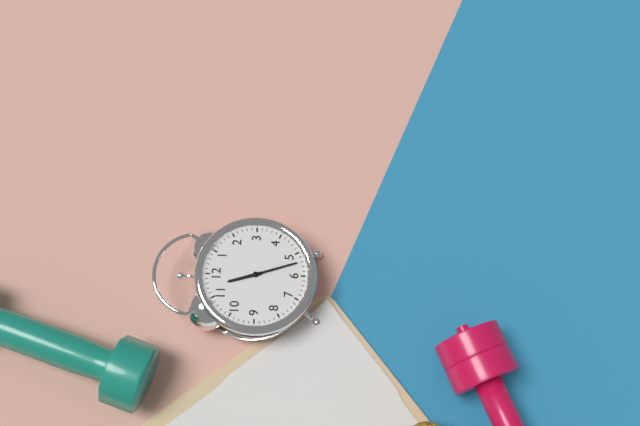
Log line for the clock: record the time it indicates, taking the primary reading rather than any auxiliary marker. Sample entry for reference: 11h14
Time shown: 11h27
